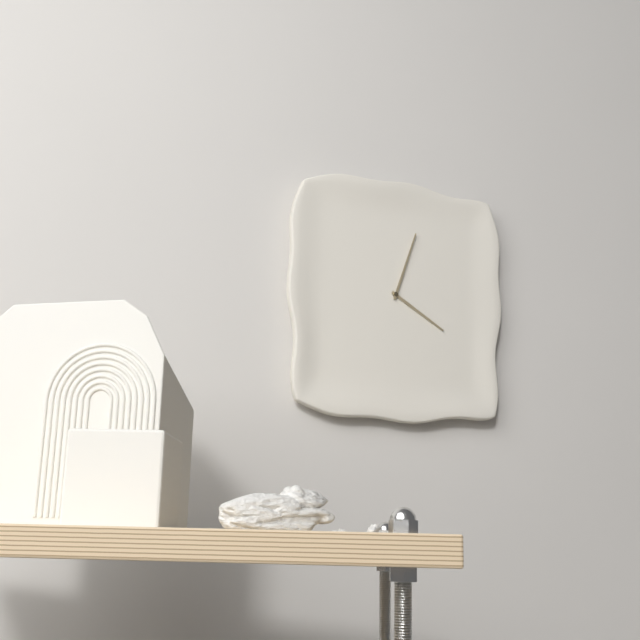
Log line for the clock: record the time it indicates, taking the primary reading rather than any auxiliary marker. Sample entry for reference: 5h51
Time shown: 4h03
